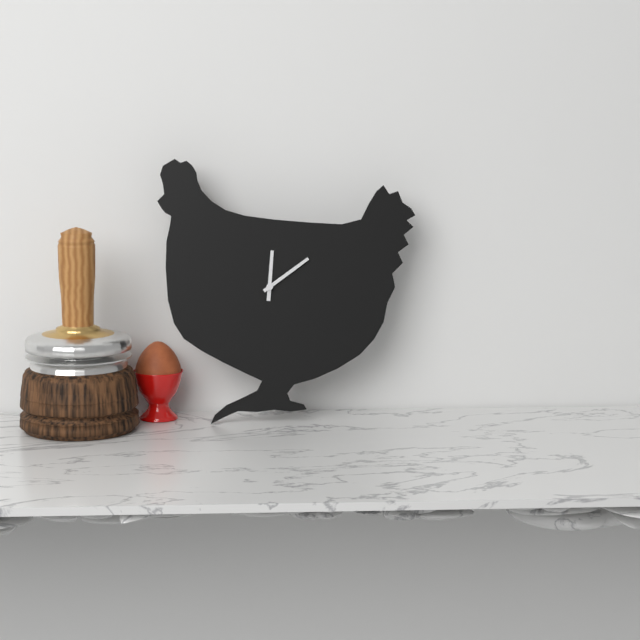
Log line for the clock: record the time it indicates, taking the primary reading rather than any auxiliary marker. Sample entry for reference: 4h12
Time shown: 12h09
